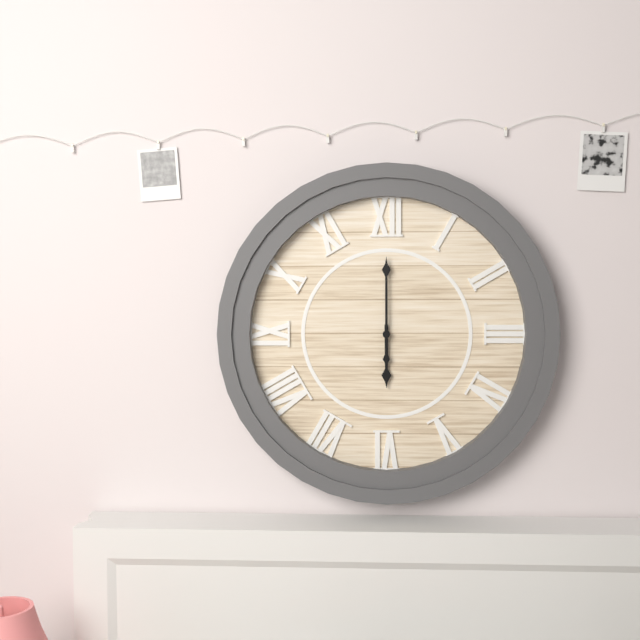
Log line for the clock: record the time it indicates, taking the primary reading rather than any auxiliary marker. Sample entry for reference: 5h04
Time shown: 6h00
